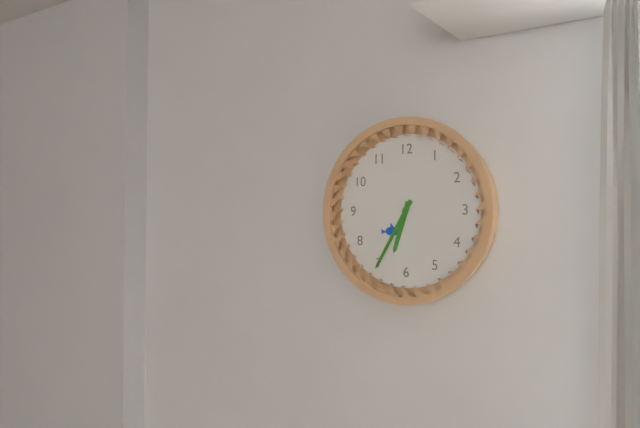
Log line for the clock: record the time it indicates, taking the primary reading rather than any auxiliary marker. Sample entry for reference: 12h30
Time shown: 6h35
